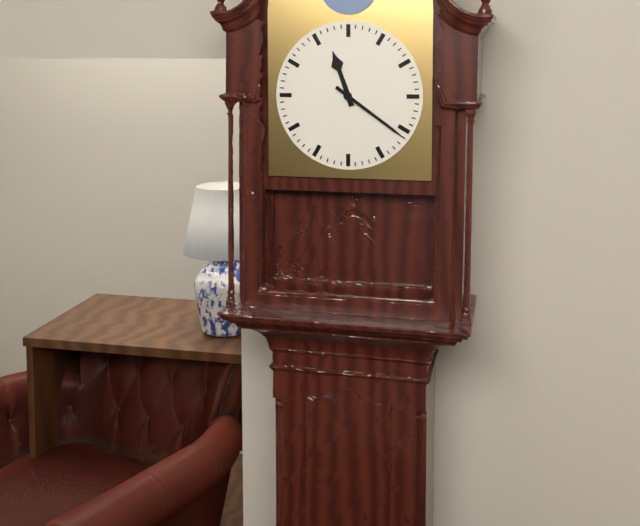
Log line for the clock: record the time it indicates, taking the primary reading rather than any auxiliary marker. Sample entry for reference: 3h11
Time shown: 11h21
